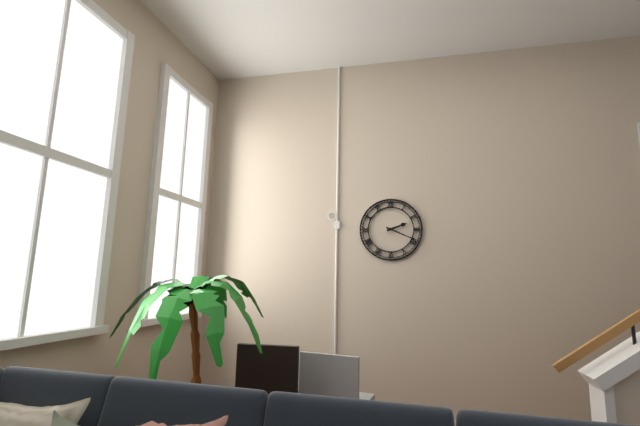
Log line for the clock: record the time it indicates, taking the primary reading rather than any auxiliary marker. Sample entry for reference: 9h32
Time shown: 2h19
